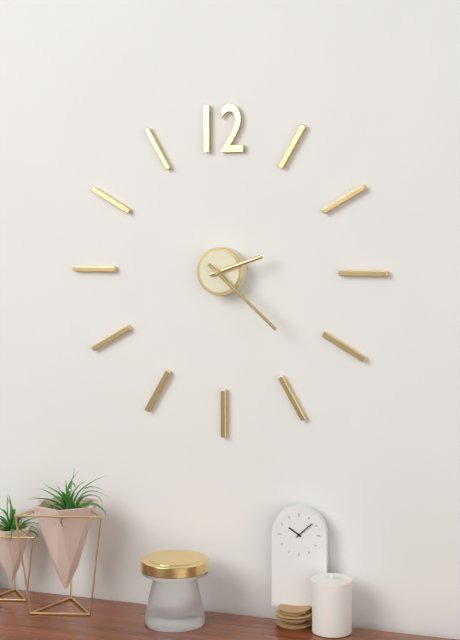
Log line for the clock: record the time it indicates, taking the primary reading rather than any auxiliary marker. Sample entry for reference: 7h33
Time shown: 2h22
